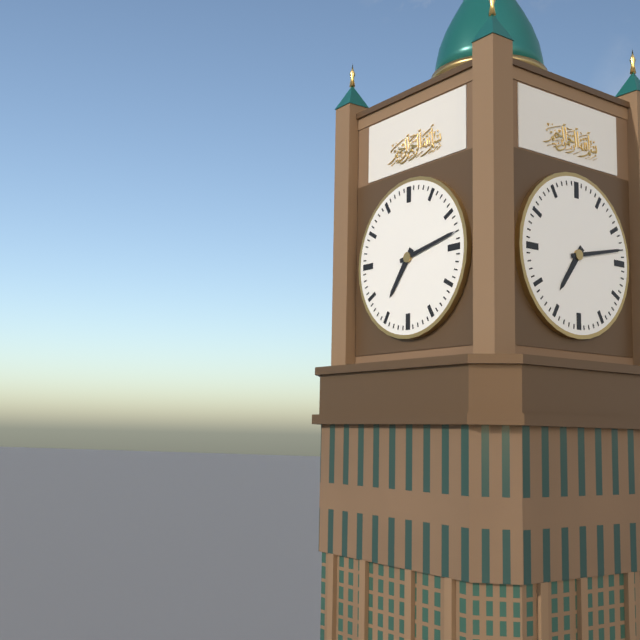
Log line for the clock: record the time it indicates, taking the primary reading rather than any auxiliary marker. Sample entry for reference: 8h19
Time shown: 7h13
